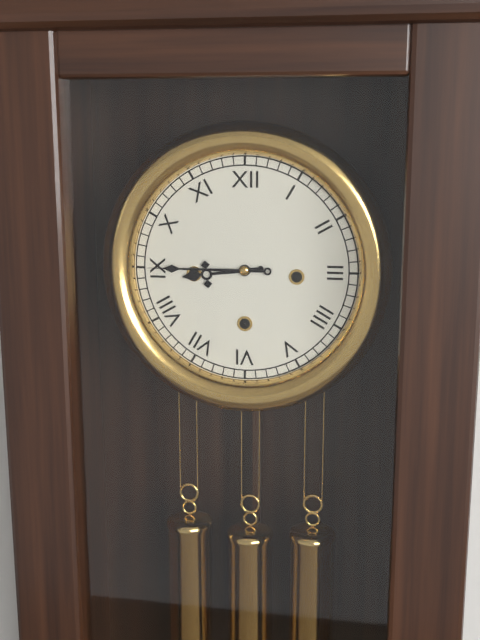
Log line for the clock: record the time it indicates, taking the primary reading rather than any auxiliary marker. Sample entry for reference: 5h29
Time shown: 8h45
